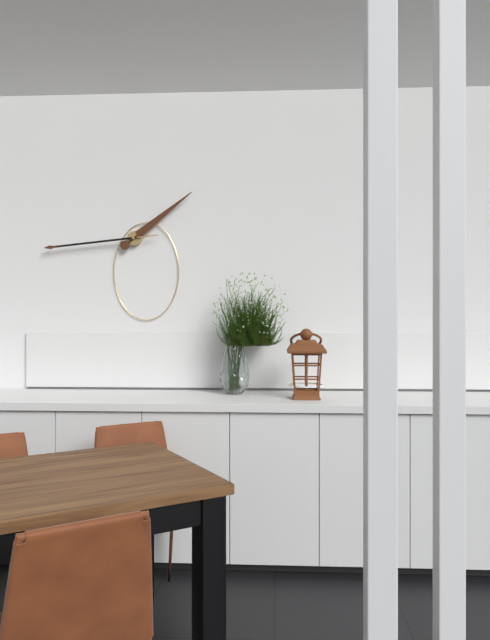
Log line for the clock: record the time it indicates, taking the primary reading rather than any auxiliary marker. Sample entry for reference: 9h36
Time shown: 1h44
